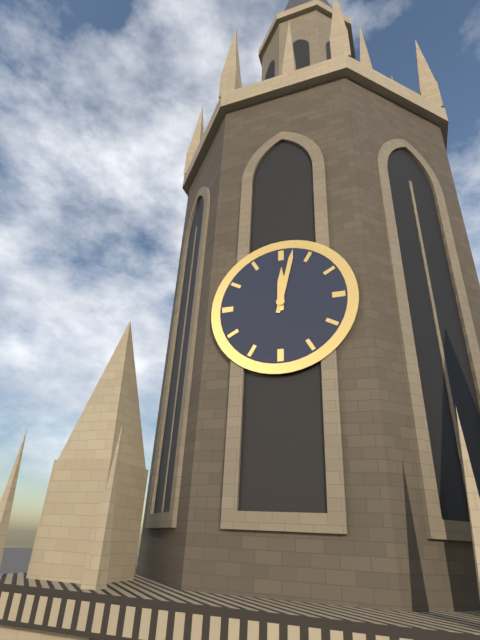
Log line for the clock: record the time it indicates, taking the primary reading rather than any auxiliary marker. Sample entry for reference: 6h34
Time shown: 12h02
